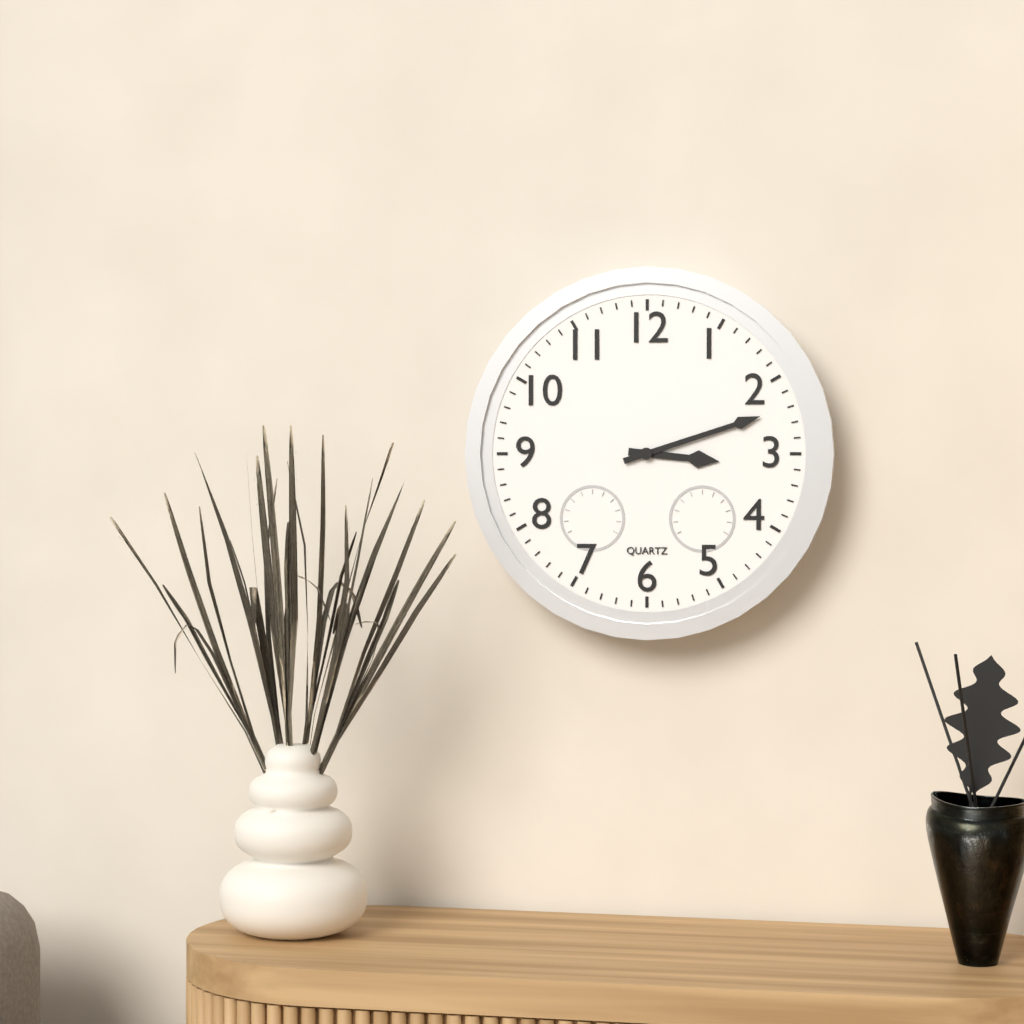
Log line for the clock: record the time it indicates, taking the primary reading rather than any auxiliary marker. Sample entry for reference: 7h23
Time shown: 3h12
